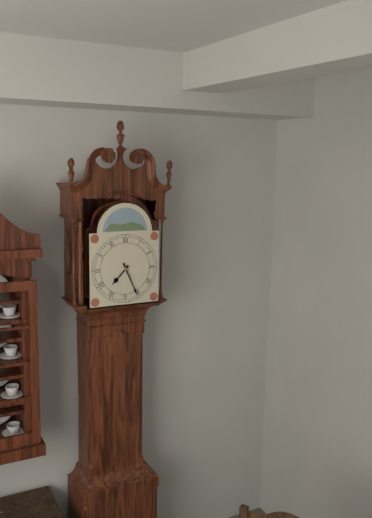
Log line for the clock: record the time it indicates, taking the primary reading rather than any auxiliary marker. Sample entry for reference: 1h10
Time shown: 7h26
